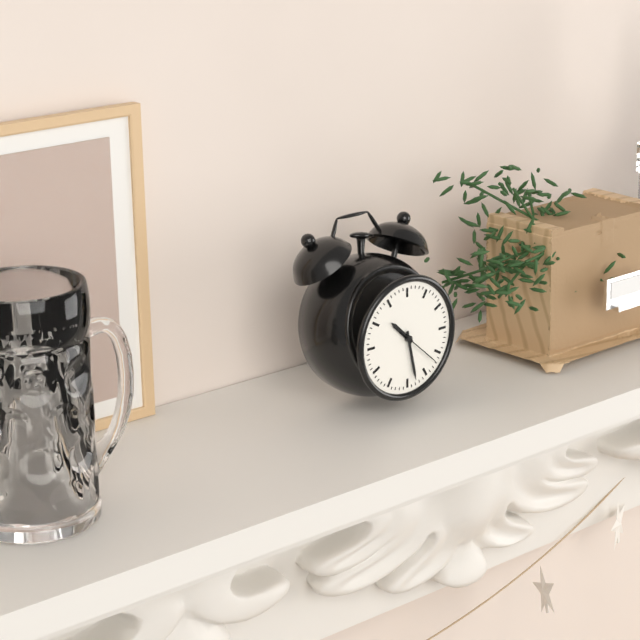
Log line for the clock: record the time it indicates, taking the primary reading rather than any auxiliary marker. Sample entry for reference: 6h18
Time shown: 10h28
